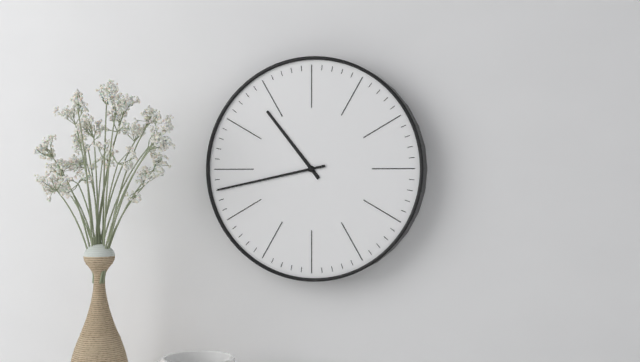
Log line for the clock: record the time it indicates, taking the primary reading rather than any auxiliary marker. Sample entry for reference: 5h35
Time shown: 10h43
